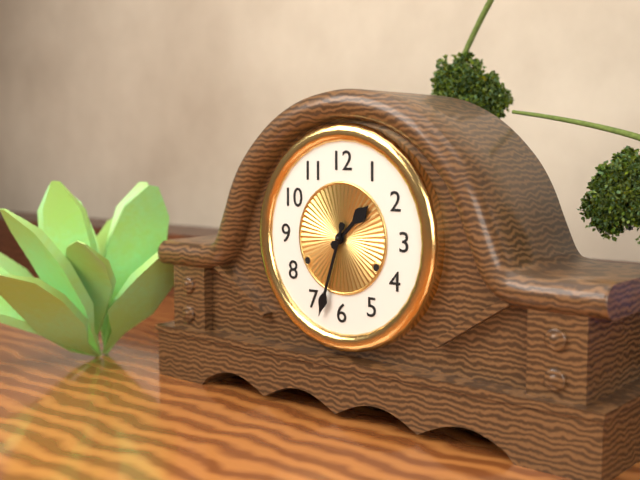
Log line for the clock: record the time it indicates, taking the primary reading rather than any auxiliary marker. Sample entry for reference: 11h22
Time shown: 1h33
